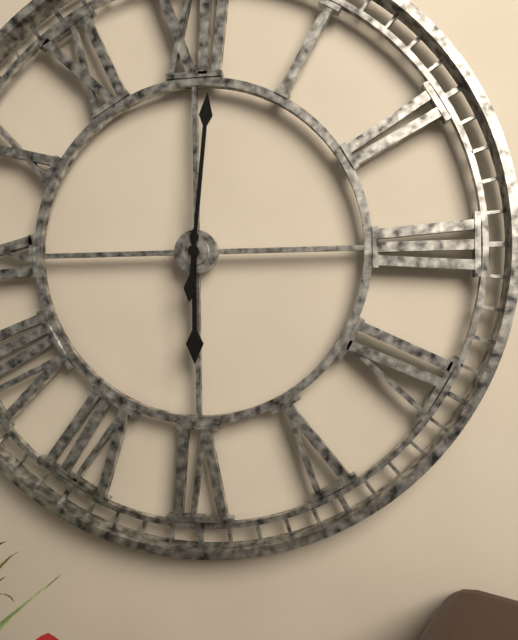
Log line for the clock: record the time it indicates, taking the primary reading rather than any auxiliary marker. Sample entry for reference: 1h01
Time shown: 6h01
